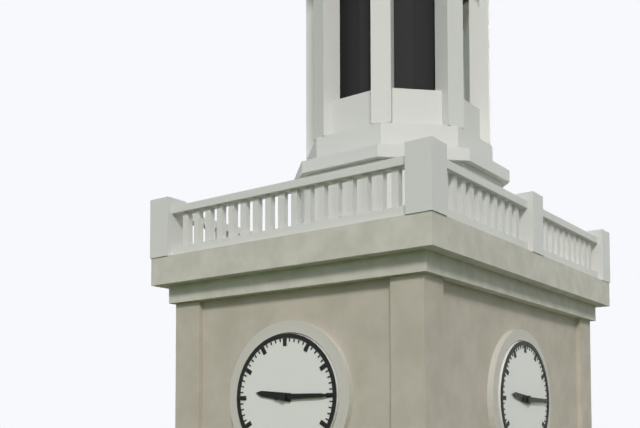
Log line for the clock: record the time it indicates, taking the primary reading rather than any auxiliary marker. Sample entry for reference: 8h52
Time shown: 9h15
